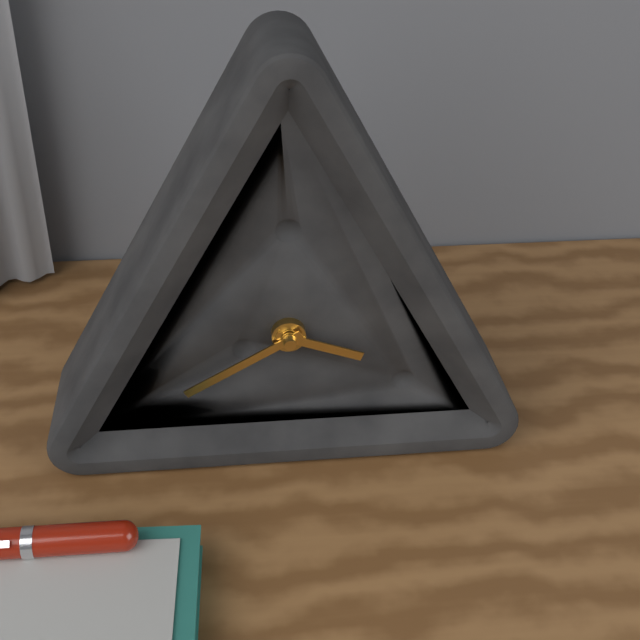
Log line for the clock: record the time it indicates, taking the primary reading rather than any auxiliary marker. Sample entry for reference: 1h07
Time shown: 3h40
